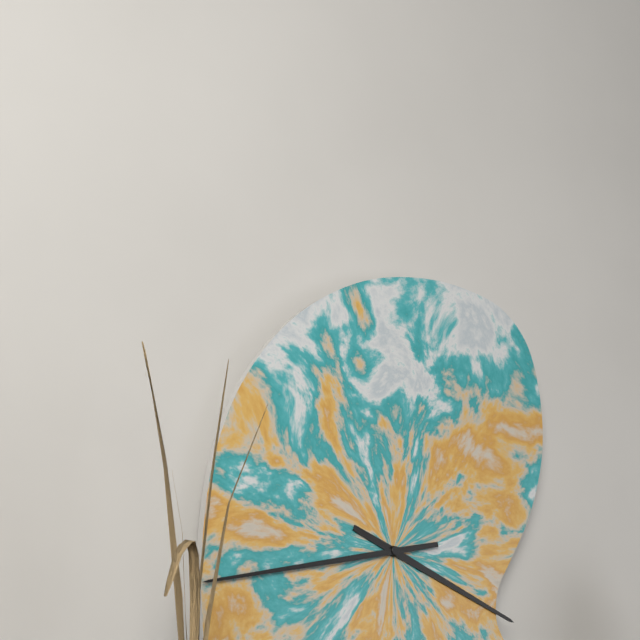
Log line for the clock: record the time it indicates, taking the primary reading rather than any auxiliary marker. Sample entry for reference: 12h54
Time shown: 3h43
